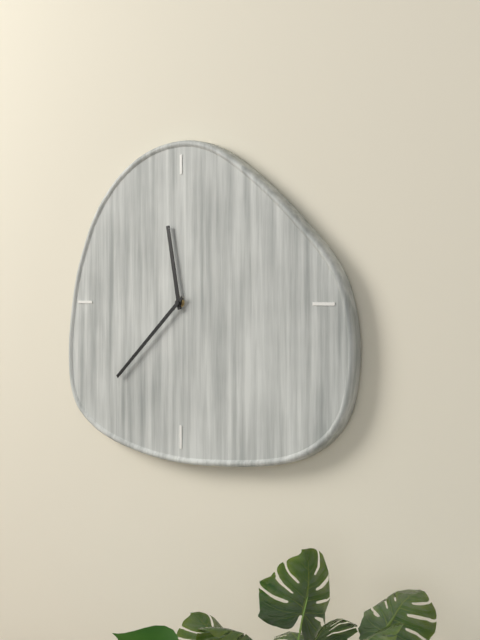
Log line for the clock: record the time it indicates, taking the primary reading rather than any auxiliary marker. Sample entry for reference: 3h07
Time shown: 11h38
